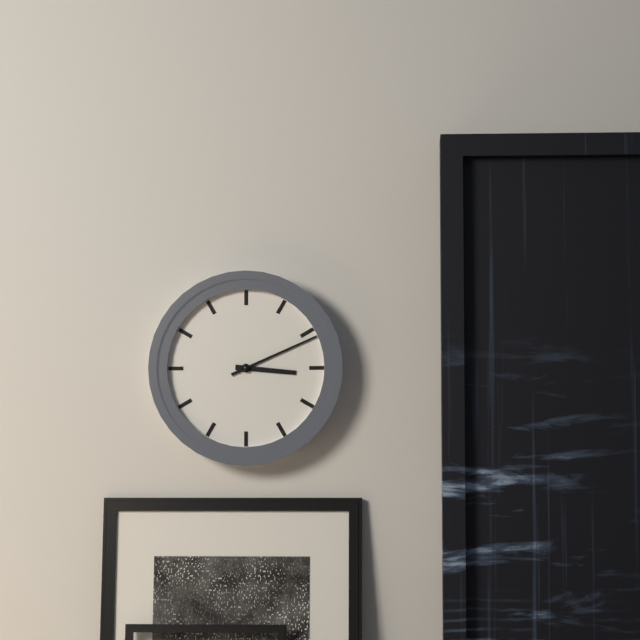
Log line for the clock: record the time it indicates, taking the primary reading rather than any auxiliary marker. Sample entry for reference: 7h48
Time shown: 3h11
